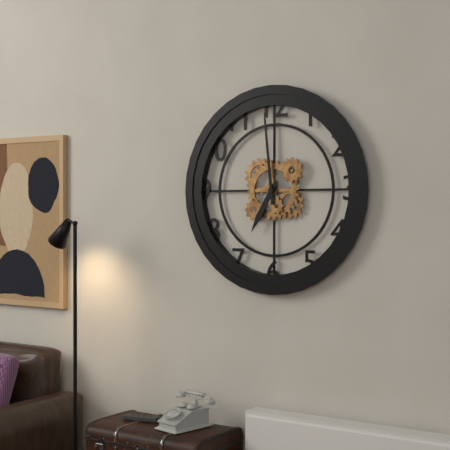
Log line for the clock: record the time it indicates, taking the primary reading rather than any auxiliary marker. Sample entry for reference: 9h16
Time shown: 6h59
